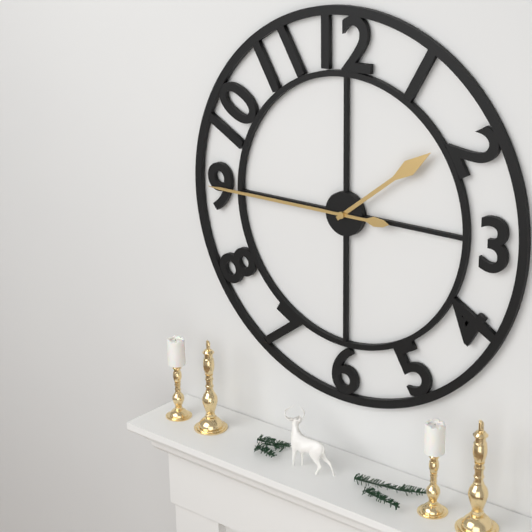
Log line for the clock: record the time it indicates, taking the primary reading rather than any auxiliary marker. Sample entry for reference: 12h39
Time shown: 1h45
